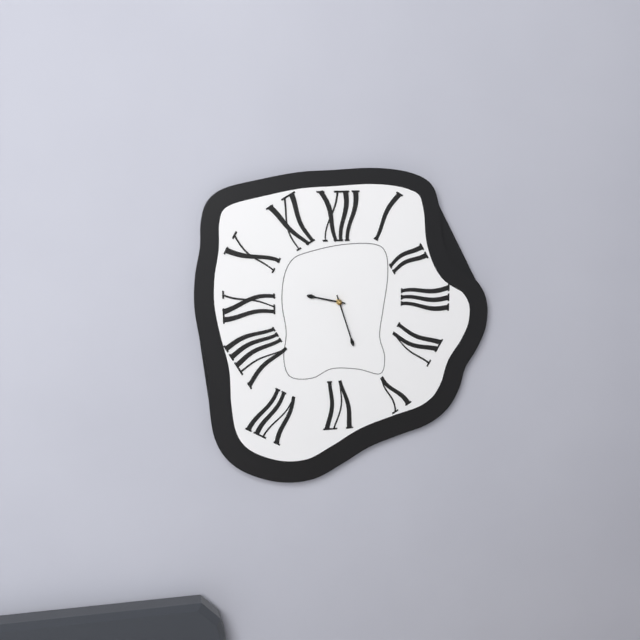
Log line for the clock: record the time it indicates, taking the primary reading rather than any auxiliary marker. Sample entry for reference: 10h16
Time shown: 9h27
